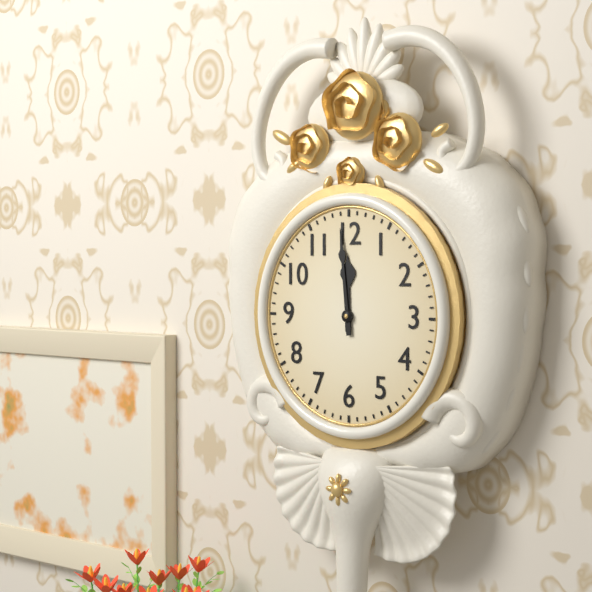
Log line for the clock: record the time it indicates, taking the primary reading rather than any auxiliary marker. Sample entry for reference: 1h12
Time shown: 11h59
